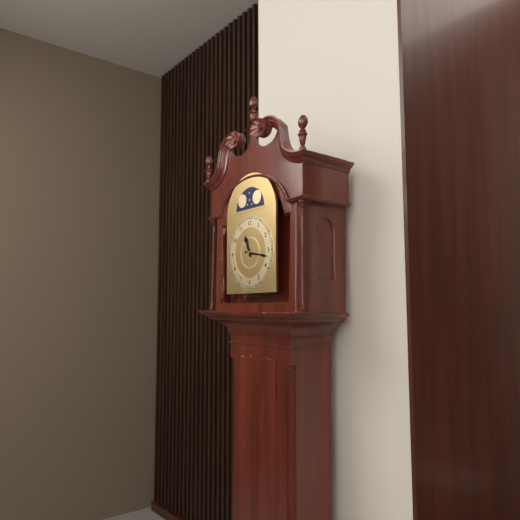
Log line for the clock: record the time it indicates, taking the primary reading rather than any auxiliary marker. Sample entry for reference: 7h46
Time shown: 11h17
